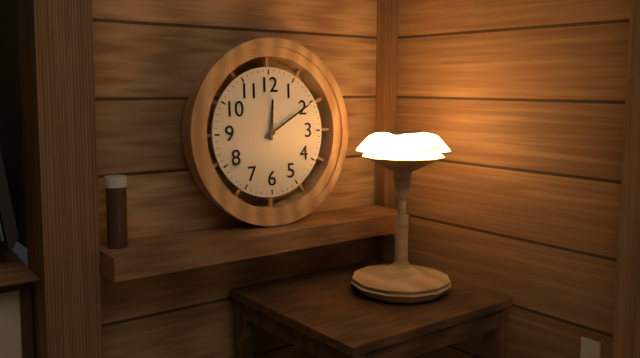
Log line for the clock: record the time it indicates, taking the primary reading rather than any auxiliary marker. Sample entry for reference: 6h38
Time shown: 12h10
